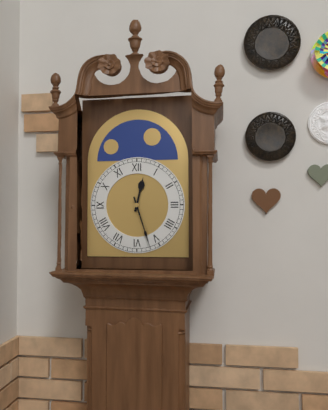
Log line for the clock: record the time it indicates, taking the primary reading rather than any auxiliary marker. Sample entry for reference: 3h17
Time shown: 12h27
